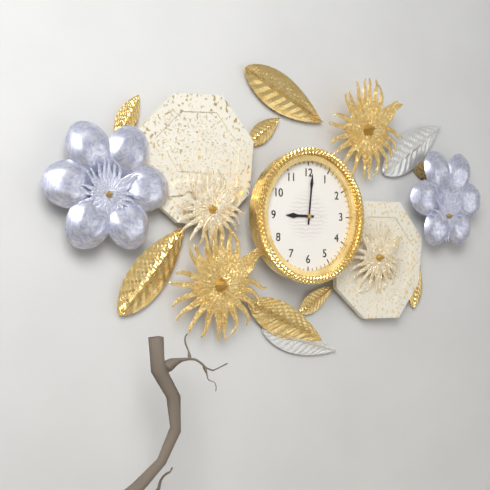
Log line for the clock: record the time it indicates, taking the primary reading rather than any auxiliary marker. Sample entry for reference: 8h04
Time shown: 9h01
